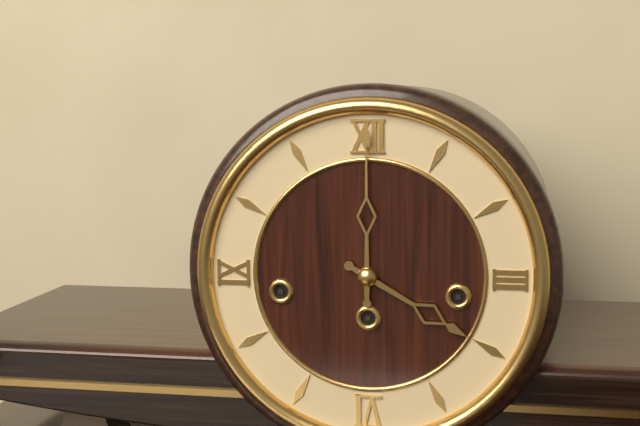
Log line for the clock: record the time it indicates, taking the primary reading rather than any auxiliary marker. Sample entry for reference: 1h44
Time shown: 4h00
